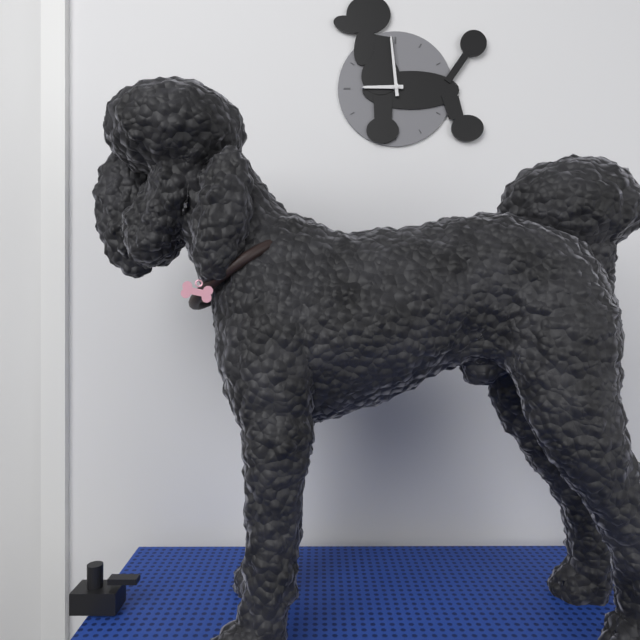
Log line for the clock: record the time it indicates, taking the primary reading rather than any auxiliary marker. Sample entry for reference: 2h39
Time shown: 8h59
